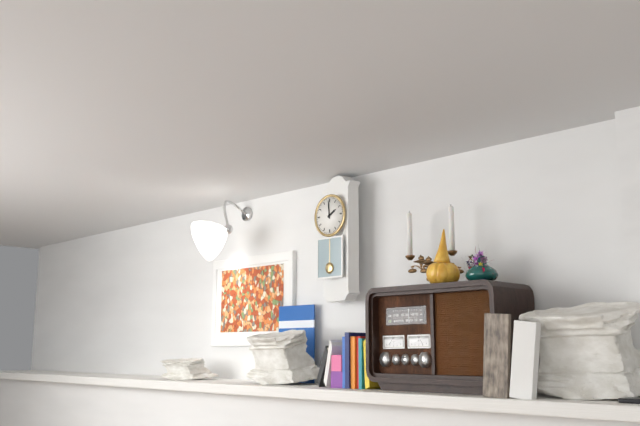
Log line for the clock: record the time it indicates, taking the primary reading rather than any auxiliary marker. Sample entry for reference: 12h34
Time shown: 1h59
